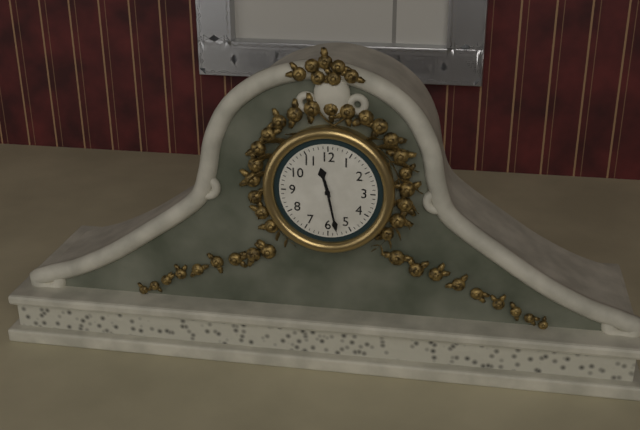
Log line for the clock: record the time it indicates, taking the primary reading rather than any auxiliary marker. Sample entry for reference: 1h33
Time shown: 11h28
